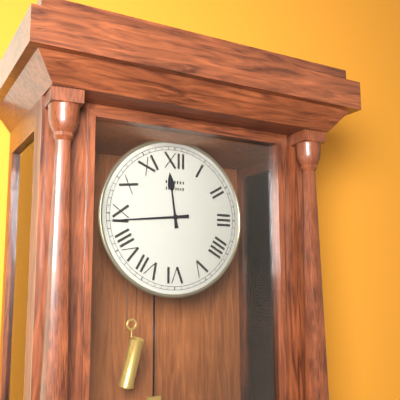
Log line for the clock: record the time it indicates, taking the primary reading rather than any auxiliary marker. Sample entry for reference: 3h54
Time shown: 11h44
